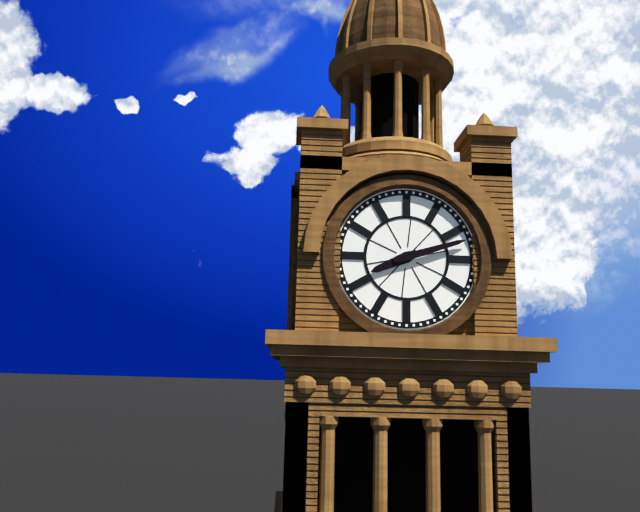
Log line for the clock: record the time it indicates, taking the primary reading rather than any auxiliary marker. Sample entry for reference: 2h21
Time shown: 8h12
